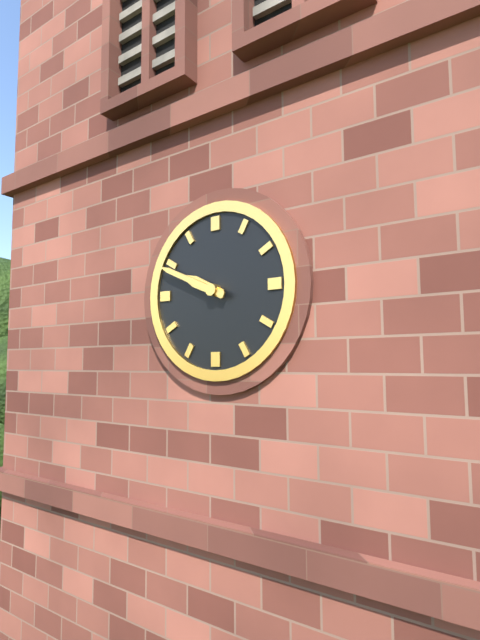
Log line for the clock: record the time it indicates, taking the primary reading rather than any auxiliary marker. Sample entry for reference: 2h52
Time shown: 9h49
